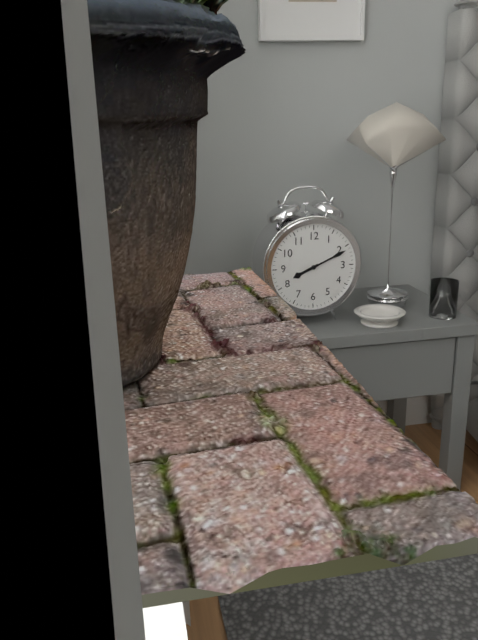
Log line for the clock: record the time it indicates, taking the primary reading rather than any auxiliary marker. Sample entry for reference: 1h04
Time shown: 8h11
